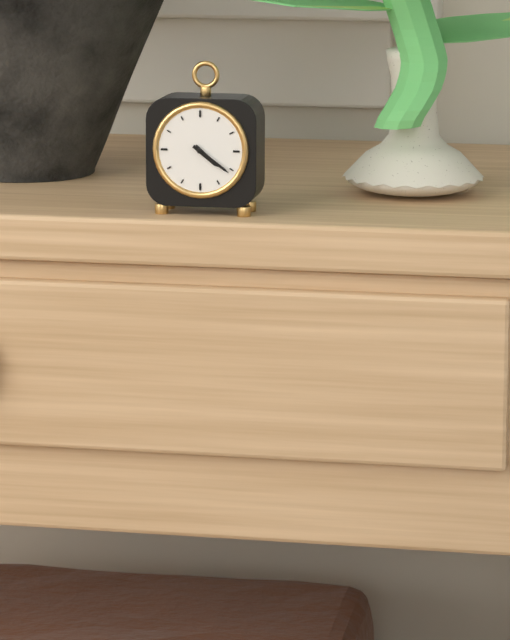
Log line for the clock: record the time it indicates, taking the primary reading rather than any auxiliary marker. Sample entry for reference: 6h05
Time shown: 4h21
